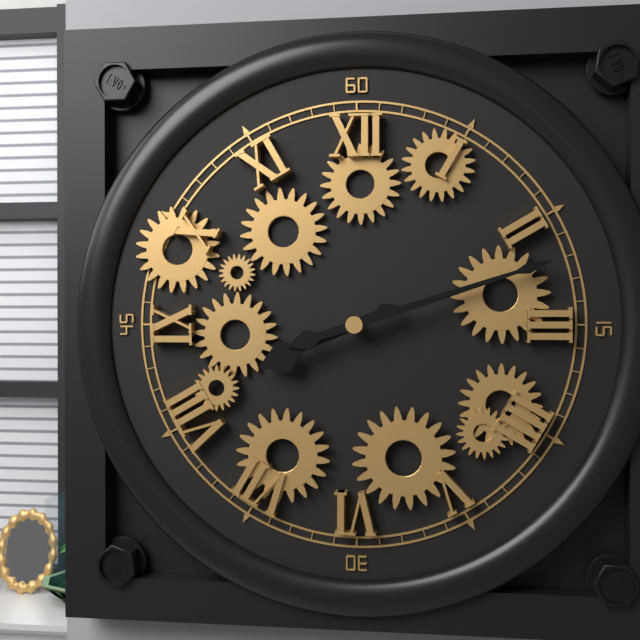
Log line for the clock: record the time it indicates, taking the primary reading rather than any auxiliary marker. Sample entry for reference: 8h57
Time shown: 8h12
